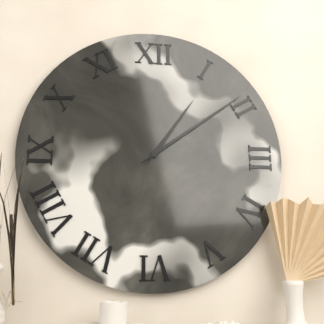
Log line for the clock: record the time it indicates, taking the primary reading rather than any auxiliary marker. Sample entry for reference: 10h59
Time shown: 1h09
